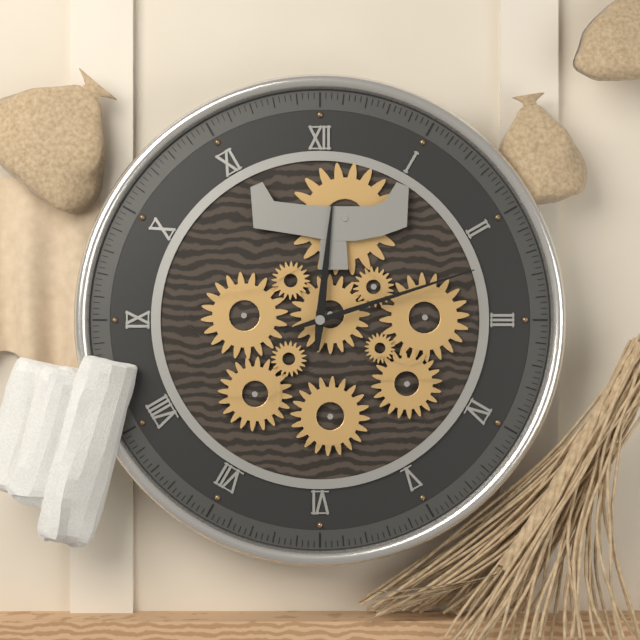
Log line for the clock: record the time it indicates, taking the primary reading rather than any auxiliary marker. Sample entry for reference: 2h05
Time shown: 12h12
